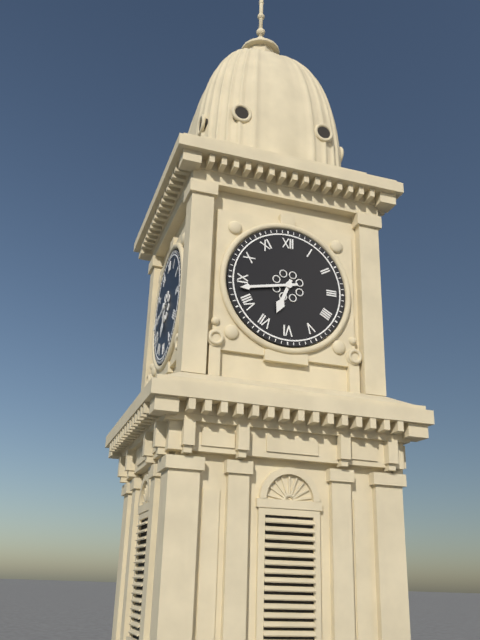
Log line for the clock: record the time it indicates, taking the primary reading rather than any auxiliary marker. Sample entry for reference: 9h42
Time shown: 6h43
